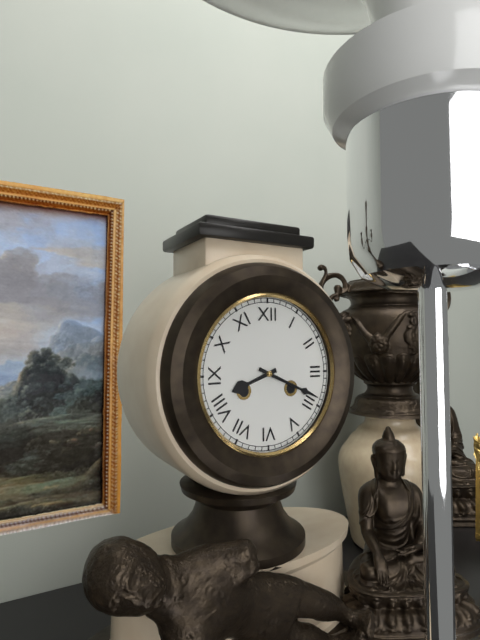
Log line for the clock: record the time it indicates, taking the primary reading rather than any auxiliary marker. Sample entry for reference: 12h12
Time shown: 8h19
